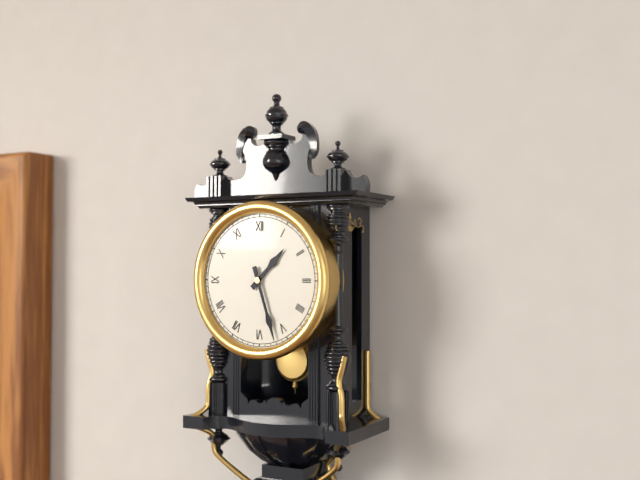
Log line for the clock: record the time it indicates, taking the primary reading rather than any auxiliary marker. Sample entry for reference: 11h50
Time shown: 1h27
